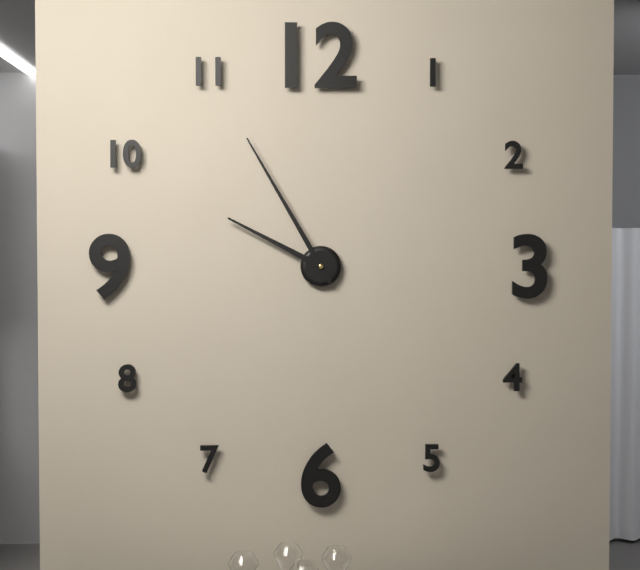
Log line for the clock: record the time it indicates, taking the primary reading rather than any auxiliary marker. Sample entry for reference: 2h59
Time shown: 9h55
